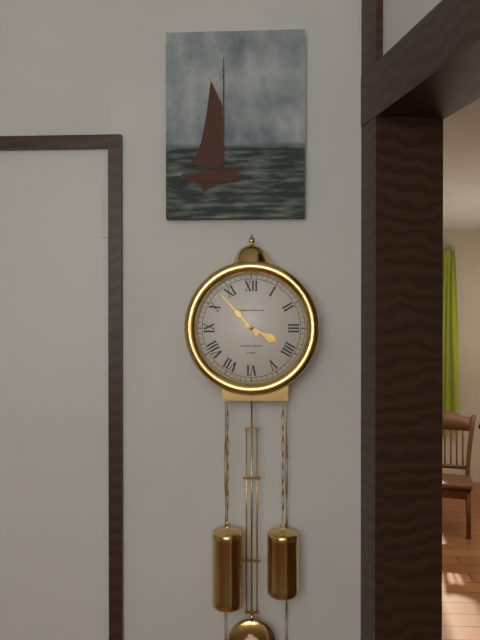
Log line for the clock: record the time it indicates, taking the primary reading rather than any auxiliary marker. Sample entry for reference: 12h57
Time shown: 3h53
